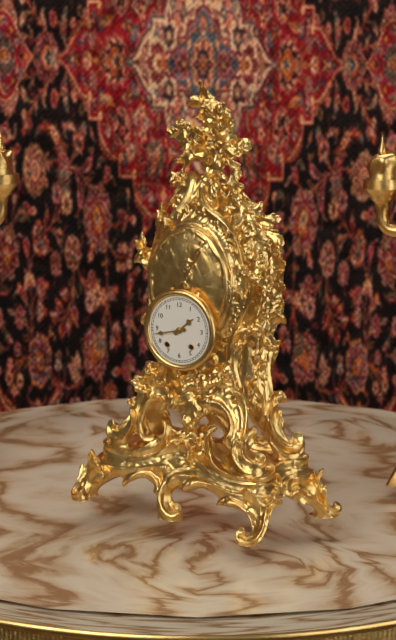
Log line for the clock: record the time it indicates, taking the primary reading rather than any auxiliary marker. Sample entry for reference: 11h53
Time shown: 1h43
